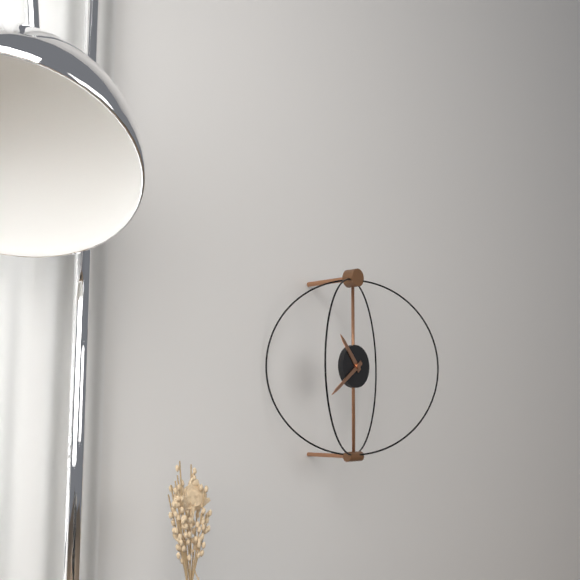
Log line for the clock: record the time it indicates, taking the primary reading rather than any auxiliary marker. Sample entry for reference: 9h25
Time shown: 10h39
